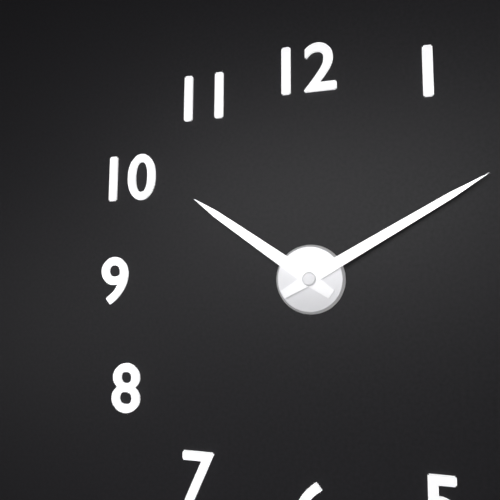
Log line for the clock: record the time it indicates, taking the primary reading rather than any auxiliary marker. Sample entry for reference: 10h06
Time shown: 10h10
